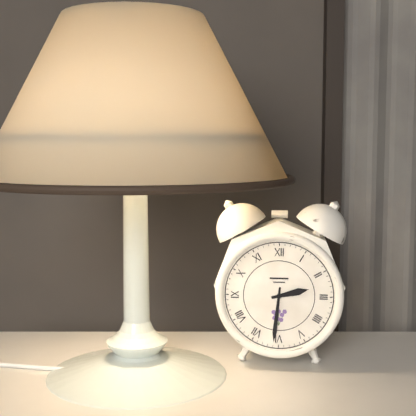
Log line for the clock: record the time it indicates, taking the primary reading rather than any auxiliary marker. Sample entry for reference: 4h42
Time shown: 2h31
